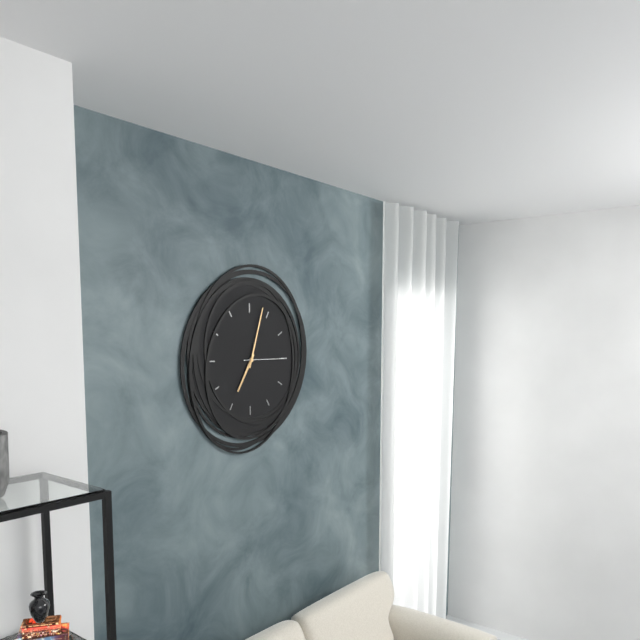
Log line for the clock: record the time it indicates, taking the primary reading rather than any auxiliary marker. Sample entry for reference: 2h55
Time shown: 7h03
